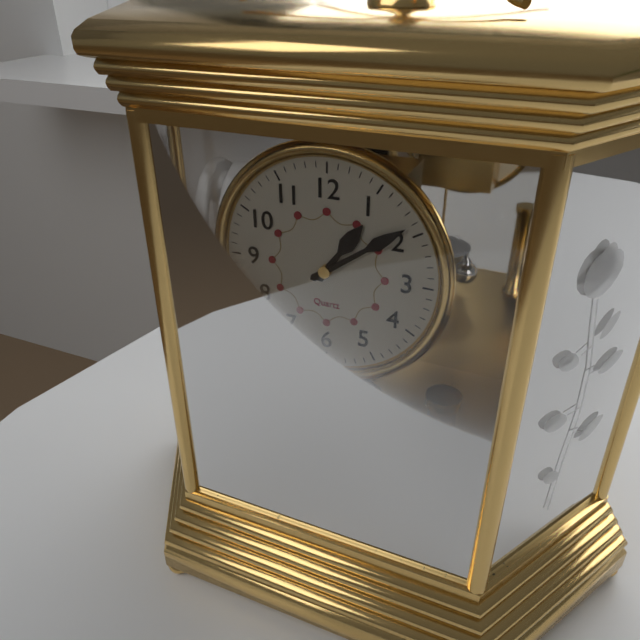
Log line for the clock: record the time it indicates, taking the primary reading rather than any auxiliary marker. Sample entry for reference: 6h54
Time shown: 1h09
